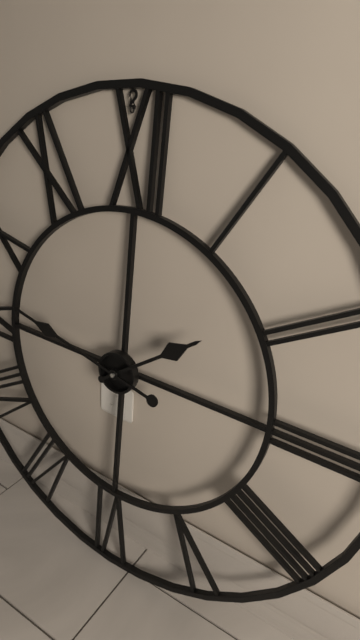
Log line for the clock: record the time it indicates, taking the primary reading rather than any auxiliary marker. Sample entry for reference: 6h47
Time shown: 1h47
